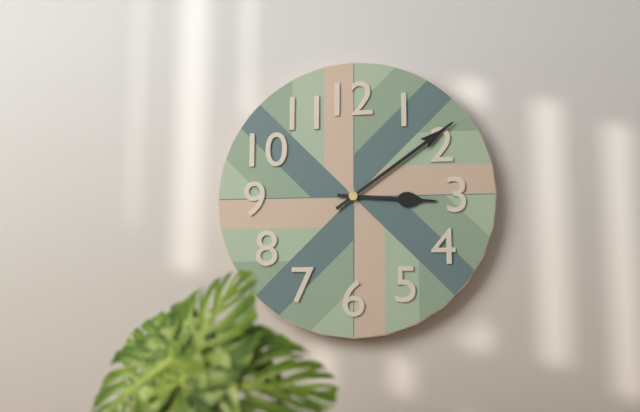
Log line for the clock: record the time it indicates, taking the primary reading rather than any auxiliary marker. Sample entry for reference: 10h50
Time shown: 3h09
